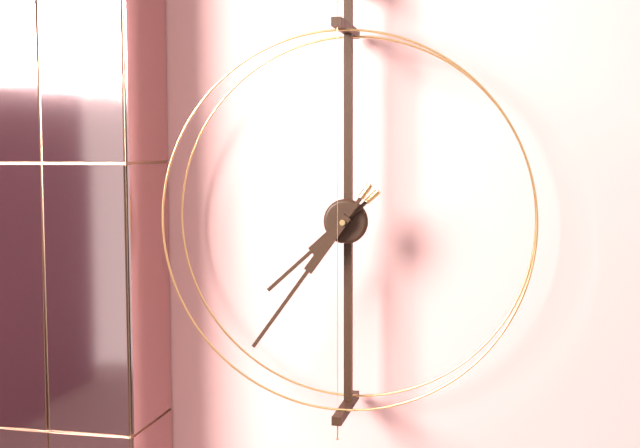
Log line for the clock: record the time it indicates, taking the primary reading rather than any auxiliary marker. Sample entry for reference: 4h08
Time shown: 7h36
